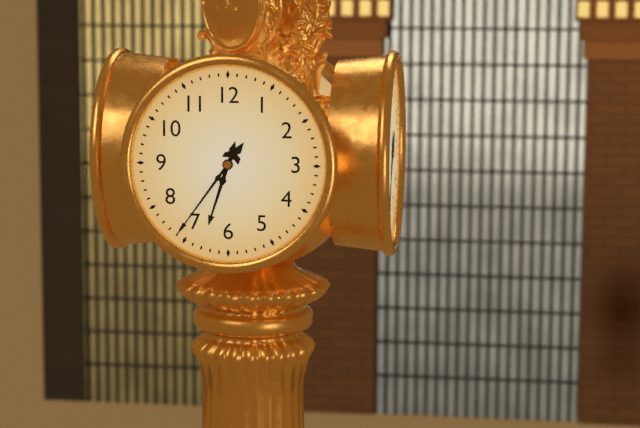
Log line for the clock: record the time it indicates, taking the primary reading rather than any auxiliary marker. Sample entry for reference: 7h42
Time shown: 6h36
